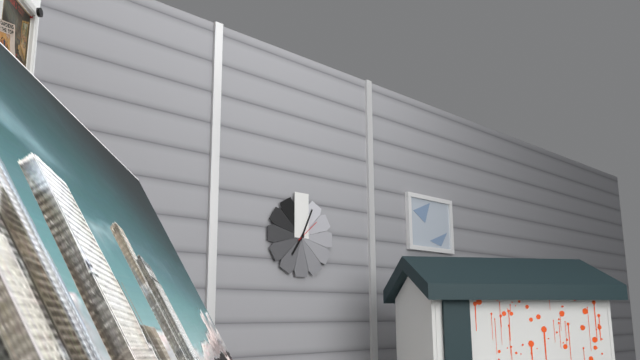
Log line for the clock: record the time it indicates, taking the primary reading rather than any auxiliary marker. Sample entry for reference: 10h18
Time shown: 7h04
